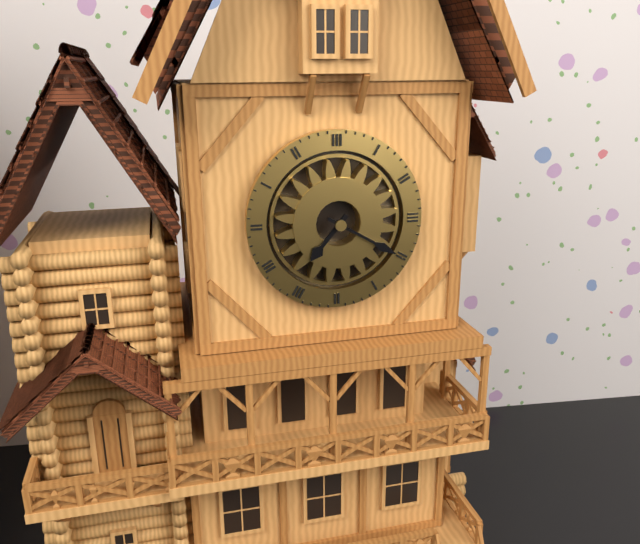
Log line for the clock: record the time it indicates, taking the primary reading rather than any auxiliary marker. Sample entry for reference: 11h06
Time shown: 7h20
